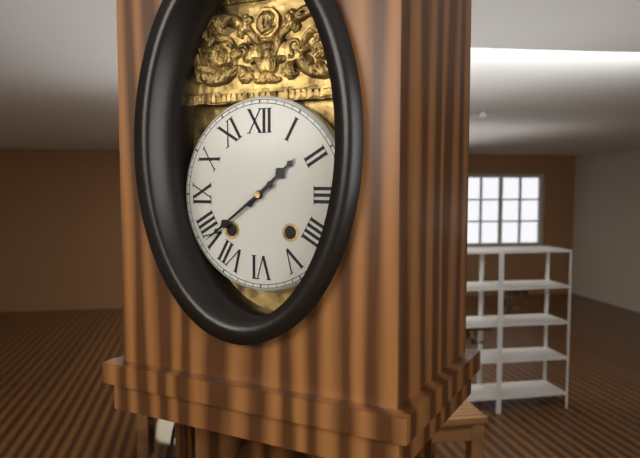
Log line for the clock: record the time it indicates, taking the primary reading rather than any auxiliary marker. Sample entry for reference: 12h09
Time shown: 1h39
